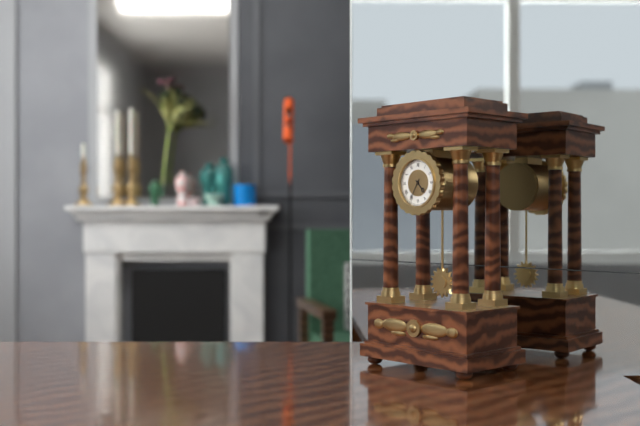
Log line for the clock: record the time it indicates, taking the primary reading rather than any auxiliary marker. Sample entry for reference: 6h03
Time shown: 4h35
